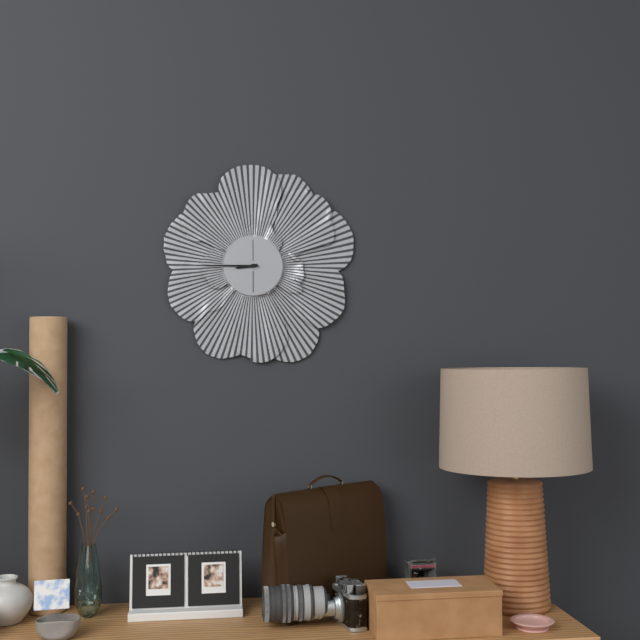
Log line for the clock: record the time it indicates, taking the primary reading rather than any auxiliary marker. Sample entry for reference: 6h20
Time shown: 8h45
